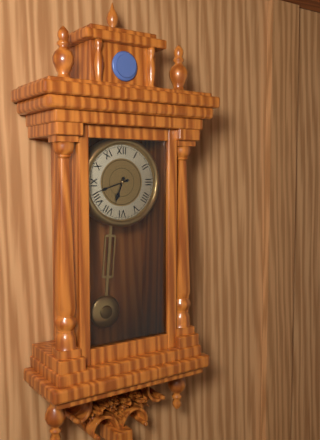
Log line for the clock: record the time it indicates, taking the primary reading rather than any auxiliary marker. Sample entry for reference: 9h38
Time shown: 6h42
